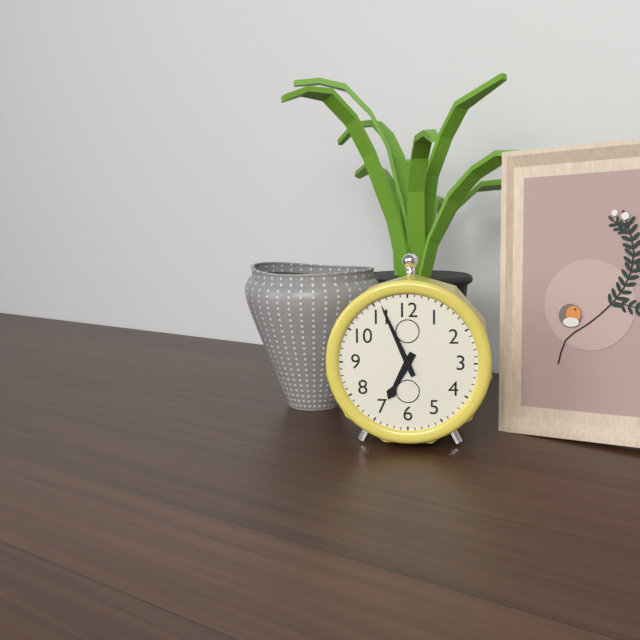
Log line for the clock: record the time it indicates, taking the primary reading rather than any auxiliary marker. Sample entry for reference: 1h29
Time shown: 6h56
